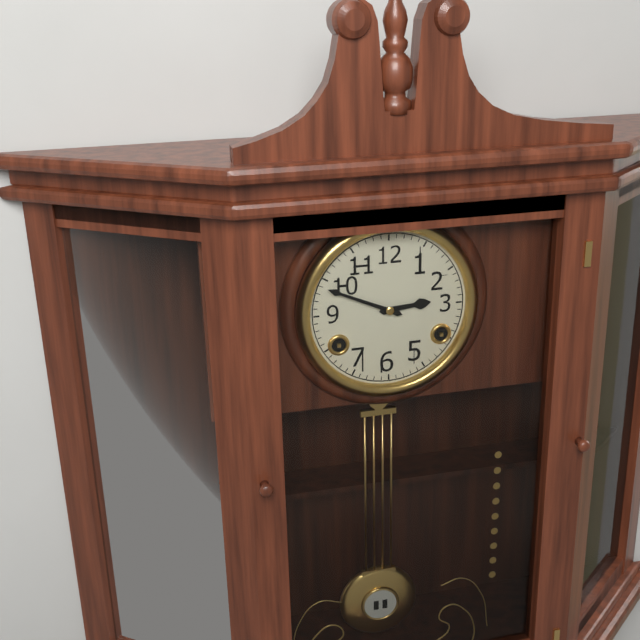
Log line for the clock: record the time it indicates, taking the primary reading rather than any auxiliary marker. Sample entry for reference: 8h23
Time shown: 2h49
